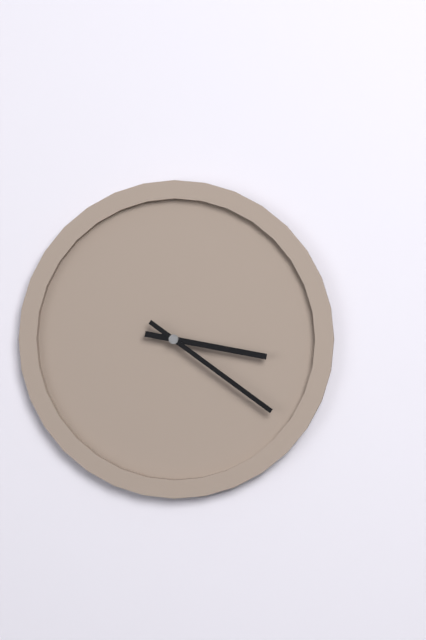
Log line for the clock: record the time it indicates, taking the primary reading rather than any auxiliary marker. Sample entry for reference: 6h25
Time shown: 3h21
